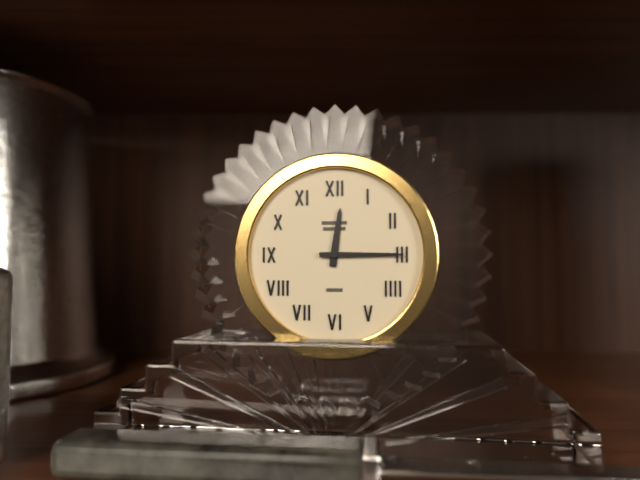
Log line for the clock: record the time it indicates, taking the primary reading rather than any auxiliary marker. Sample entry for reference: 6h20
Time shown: 12h15
